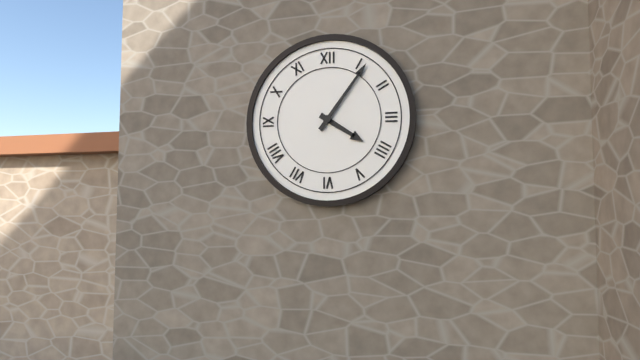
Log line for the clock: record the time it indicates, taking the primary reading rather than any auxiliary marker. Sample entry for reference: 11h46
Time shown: 4h06
